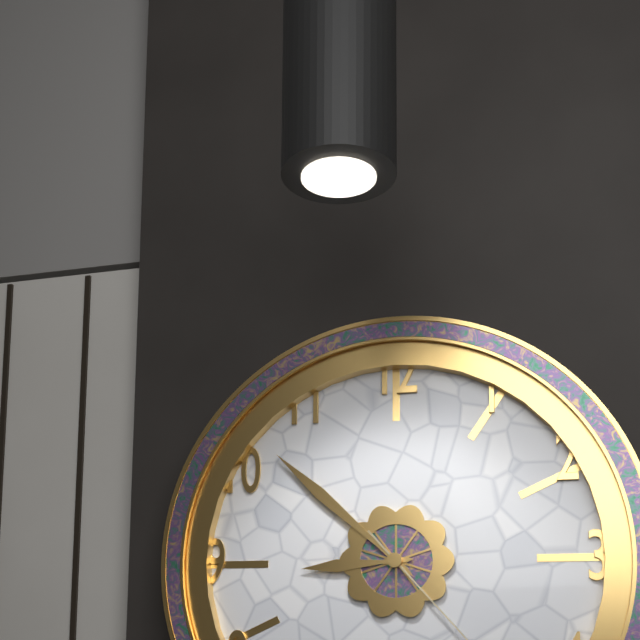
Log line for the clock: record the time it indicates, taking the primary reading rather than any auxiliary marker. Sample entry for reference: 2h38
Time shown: 8h52
